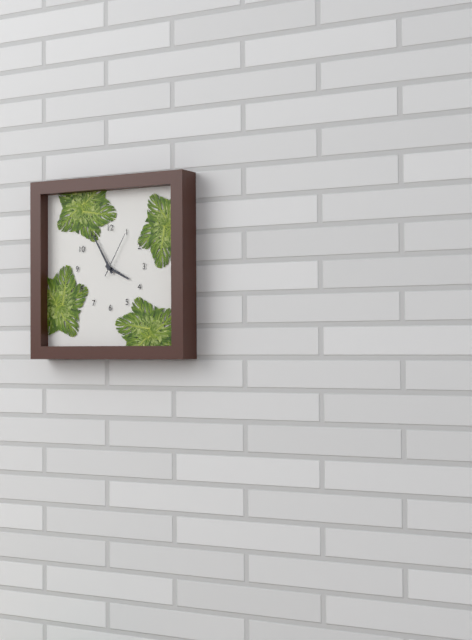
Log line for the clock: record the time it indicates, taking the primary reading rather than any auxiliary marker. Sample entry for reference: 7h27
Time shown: 3h55
